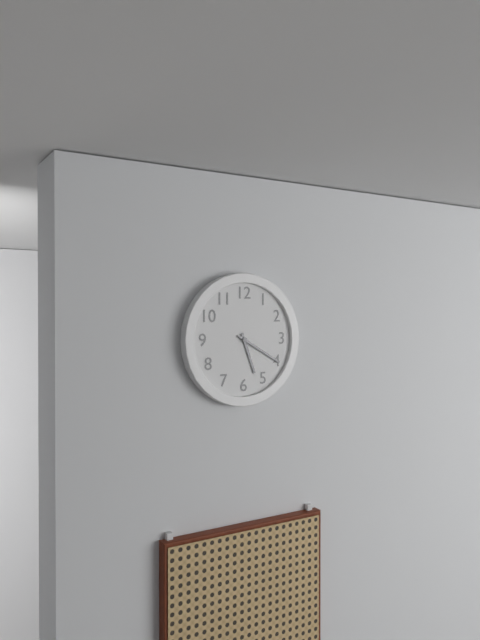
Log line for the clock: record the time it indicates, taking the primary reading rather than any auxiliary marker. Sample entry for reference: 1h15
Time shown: 5h20
